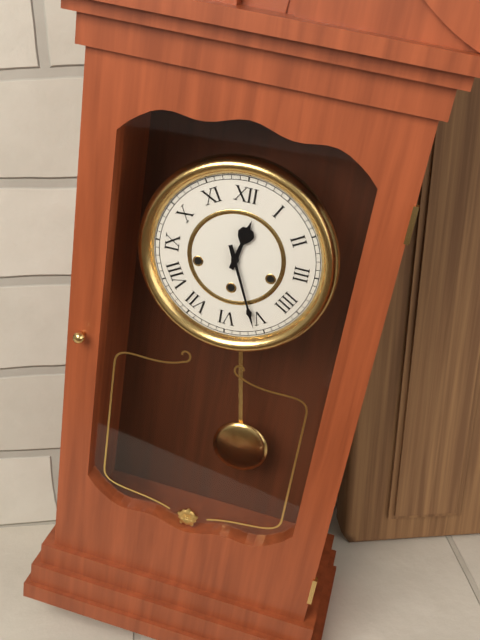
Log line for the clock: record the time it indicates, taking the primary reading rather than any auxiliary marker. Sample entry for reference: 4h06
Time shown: 12h26
